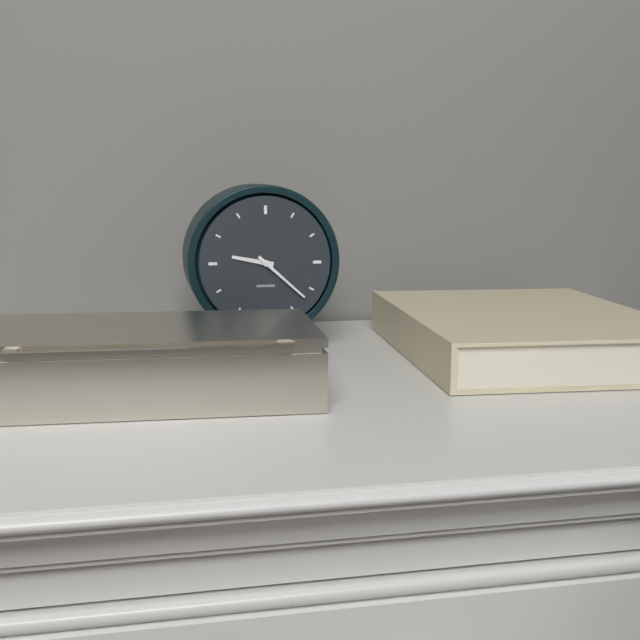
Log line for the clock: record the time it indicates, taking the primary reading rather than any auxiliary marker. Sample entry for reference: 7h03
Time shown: 9h22
